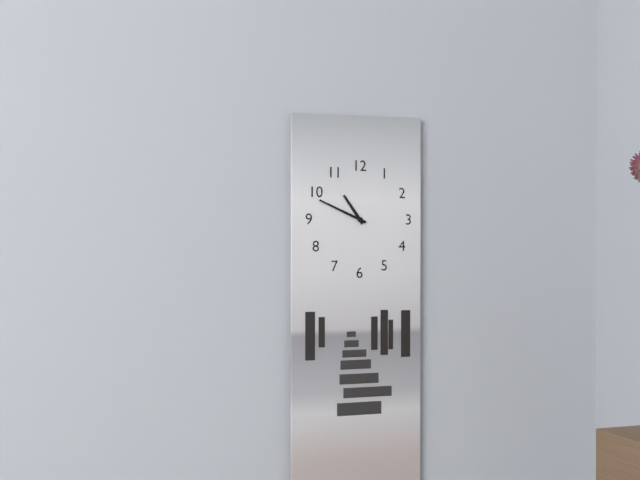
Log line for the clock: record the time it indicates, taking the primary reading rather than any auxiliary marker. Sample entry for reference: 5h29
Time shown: 10h49
